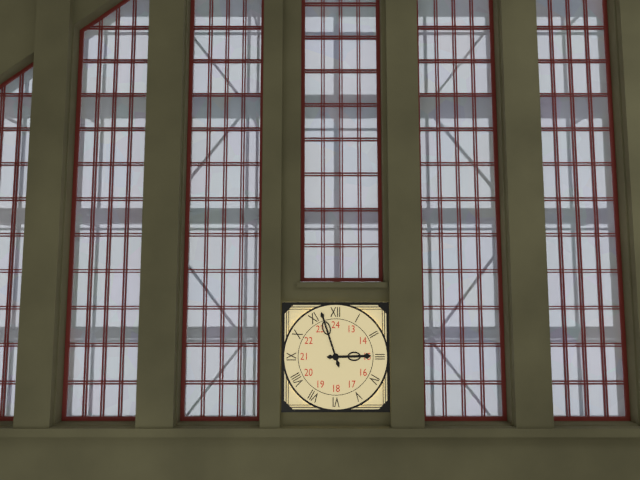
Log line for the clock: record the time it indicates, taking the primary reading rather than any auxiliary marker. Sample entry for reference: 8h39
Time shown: 2h57
